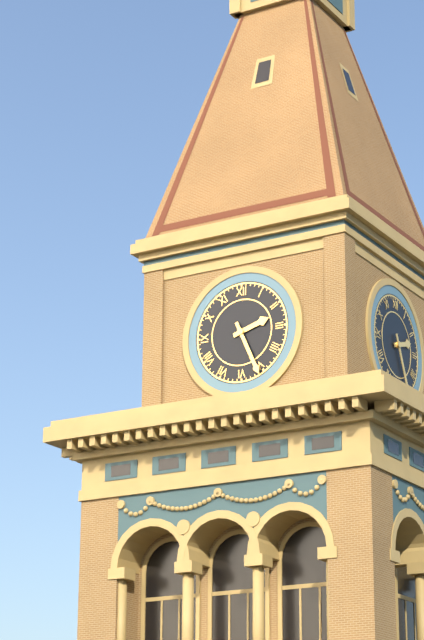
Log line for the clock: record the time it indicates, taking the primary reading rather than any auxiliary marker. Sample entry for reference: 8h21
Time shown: 2h26
